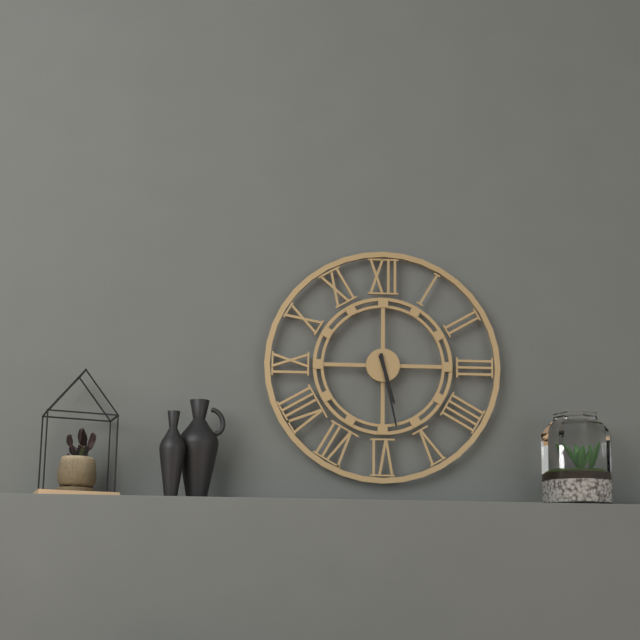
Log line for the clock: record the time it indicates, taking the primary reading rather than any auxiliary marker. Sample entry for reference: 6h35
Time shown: 5h28
